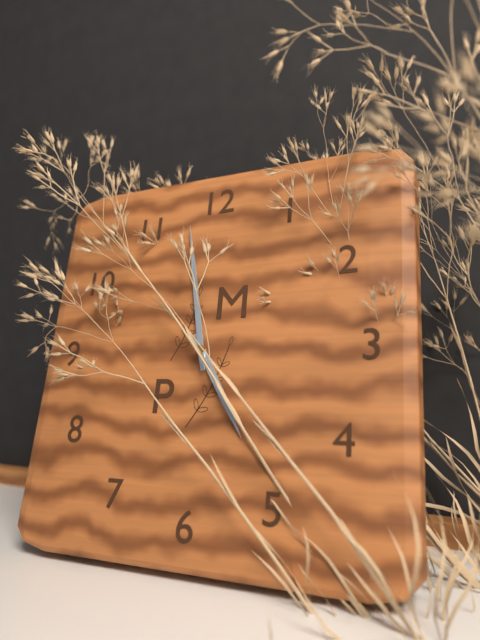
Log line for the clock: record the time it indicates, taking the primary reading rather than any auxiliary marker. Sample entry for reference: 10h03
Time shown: 4h58
